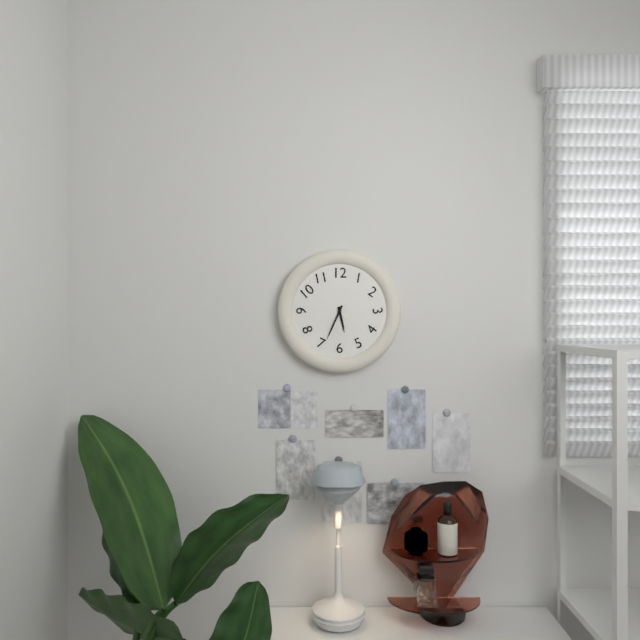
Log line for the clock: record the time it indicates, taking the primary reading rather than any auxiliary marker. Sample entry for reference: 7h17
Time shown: 5h34
